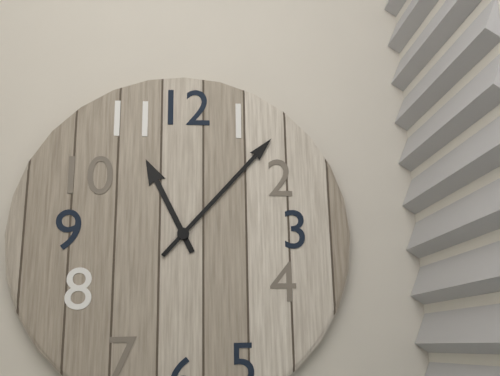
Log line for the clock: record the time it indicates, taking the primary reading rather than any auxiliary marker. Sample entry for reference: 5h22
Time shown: 11h07
